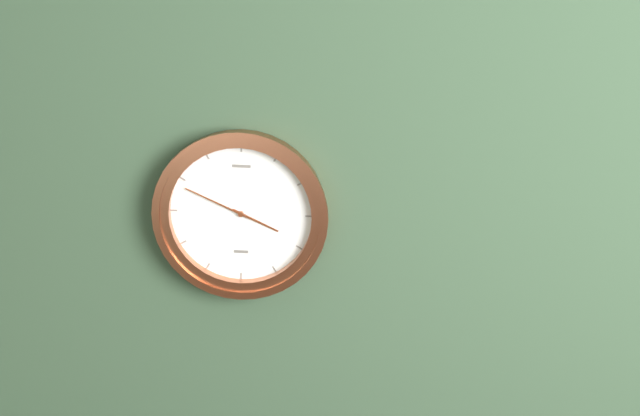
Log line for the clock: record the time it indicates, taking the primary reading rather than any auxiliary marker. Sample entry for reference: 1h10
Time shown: 3h49
